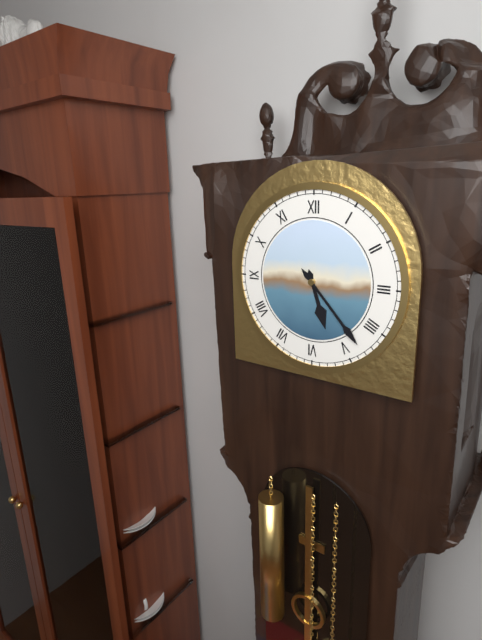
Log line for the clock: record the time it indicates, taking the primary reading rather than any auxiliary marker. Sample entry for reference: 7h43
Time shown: 5h23
